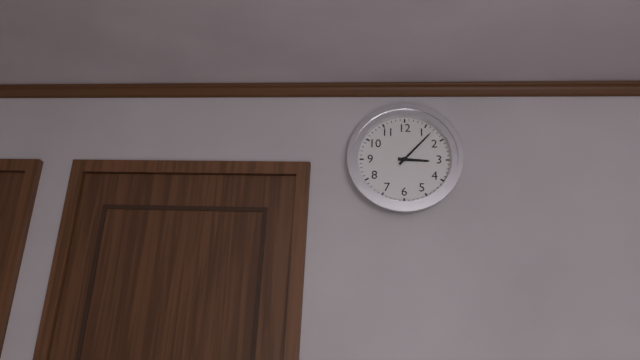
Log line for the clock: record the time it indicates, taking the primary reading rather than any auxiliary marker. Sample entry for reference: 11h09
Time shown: 3h07
